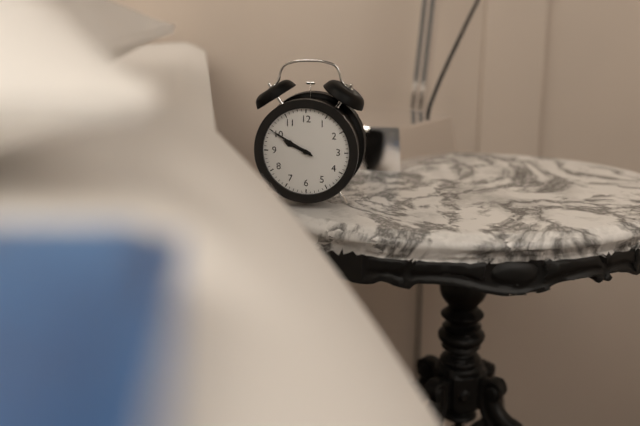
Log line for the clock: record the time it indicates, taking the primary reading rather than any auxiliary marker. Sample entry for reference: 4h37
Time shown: 9h50
